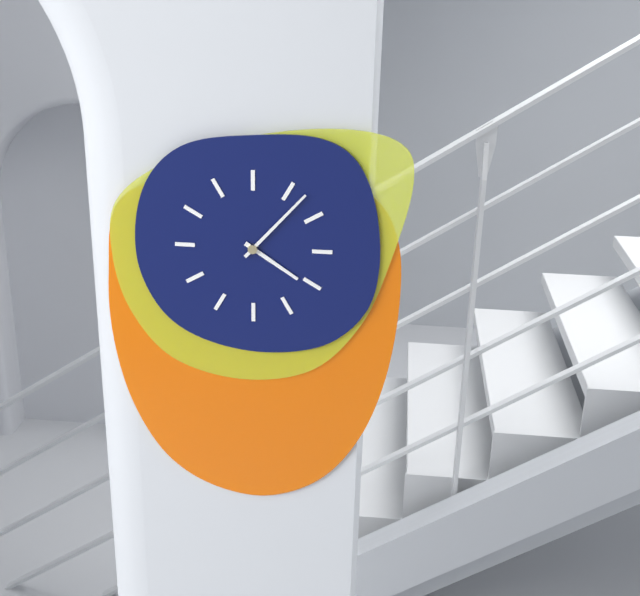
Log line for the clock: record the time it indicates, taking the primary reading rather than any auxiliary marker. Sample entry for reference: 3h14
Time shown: 4h07
